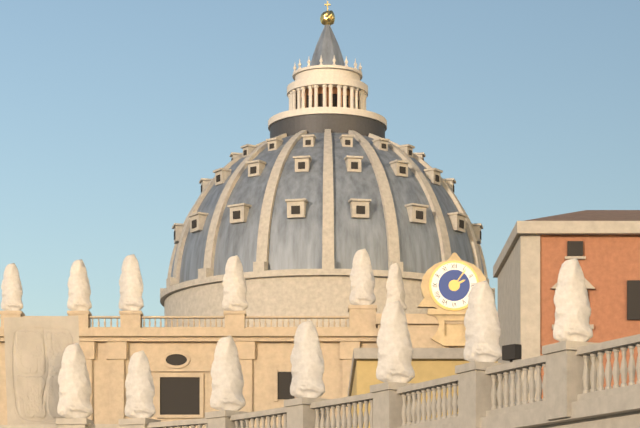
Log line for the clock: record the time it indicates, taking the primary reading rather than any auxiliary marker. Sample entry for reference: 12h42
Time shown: 2h06
